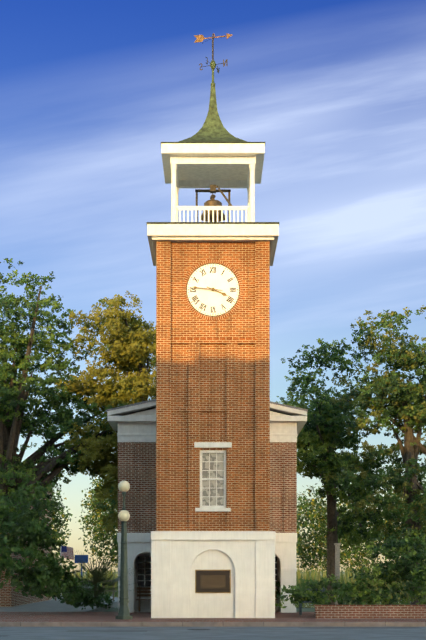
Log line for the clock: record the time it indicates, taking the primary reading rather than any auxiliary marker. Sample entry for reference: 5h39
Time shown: 3h46
